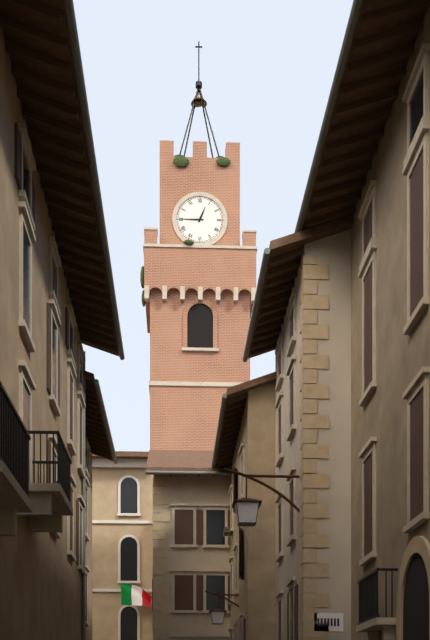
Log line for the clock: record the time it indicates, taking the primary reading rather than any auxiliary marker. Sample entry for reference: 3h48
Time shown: 12h45
